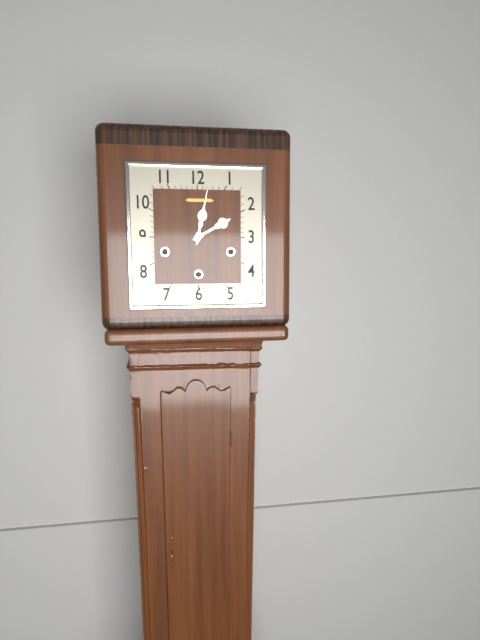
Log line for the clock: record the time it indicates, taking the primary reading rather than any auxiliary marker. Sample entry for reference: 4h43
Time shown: 2h02
